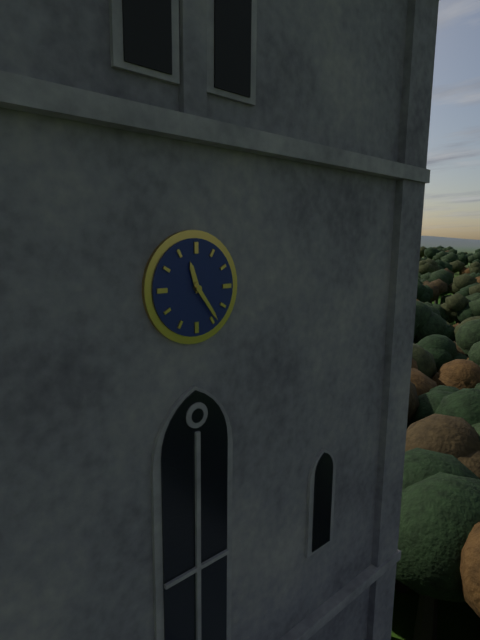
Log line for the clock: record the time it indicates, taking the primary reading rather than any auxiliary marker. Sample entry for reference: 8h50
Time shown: 11h24
